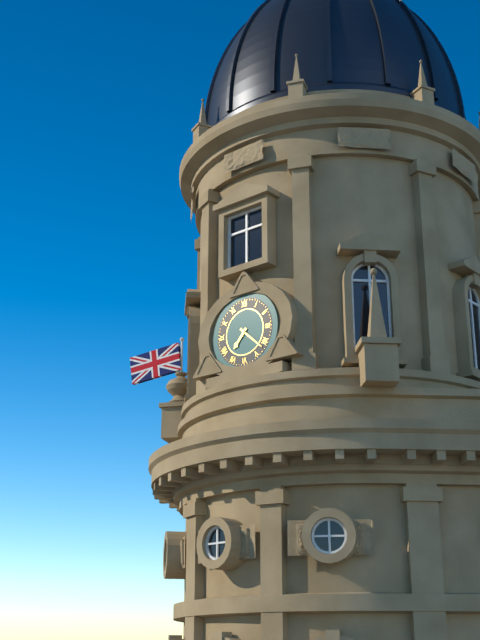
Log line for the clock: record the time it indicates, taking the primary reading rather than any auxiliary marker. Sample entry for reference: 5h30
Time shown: 7h22
